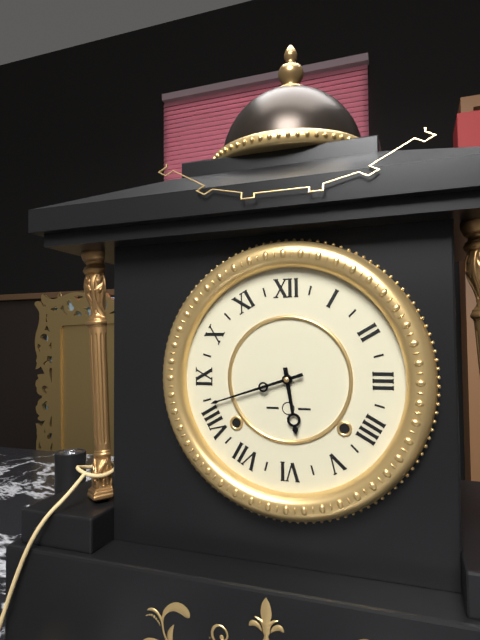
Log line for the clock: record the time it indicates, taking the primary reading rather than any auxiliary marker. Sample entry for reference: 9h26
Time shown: 5h42
